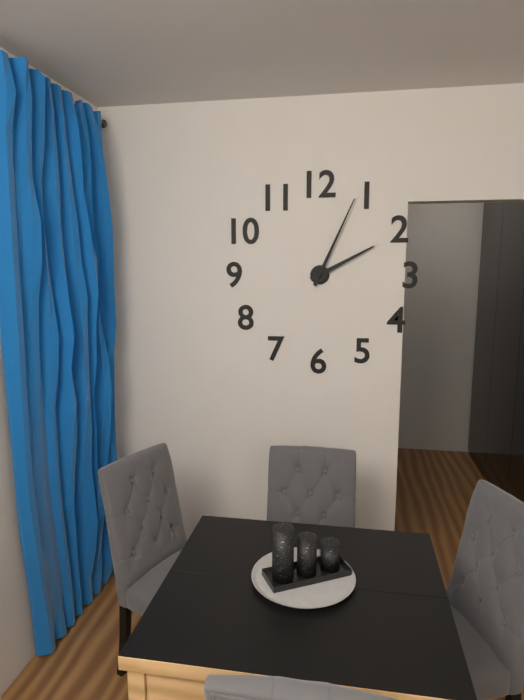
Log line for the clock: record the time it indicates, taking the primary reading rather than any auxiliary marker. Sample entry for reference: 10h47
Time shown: 2h04
